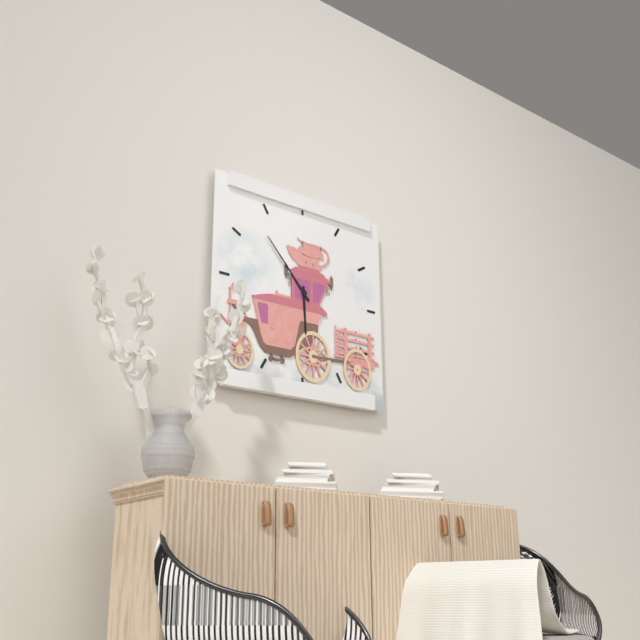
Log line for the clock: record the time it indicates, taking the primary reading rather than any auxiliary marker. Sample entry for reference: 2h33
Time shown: 5h53
